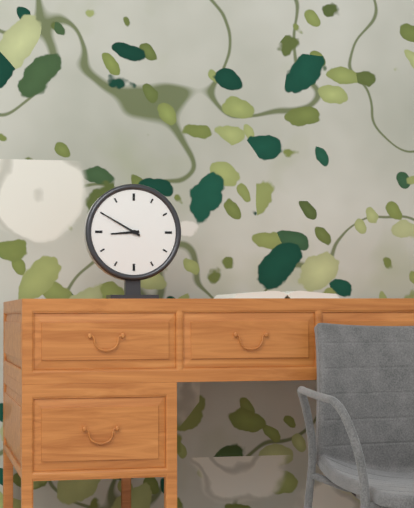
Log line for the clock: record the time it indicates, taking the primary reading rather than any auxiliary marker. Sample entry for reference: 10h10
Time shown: 8h50
